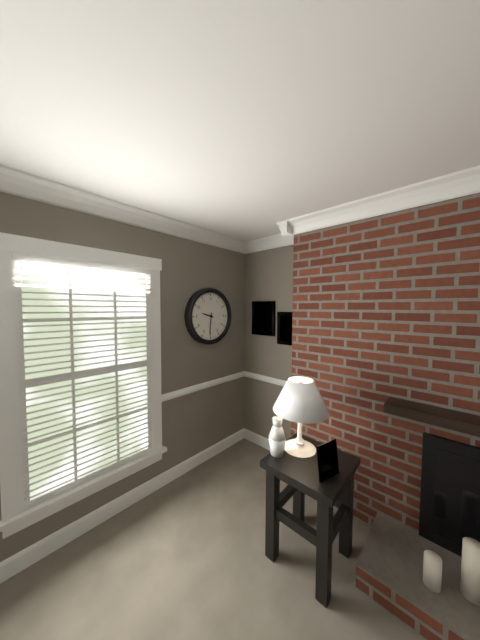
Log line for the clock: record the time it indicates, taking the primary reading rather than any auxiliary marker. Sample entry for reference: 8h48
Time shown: 9h31
